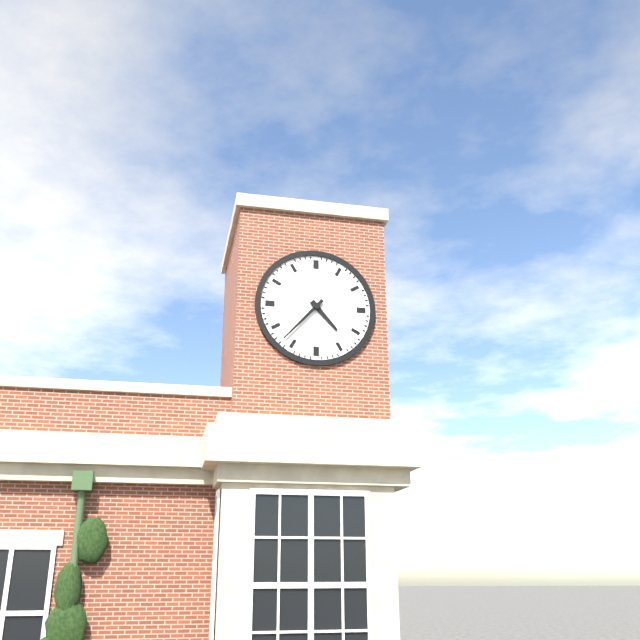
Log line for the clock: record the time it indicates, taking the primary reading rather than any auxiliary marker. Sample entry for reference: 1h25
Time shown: 4h37
